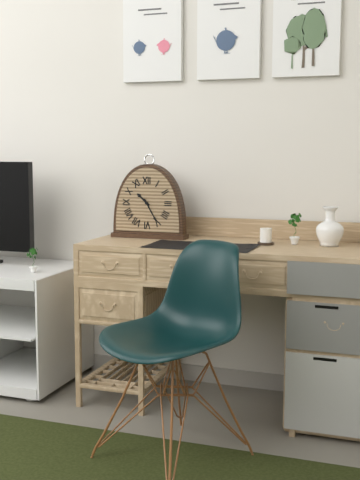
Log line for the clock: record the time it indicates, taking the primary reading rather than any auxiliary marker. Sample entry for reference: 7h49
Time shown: 10h25
